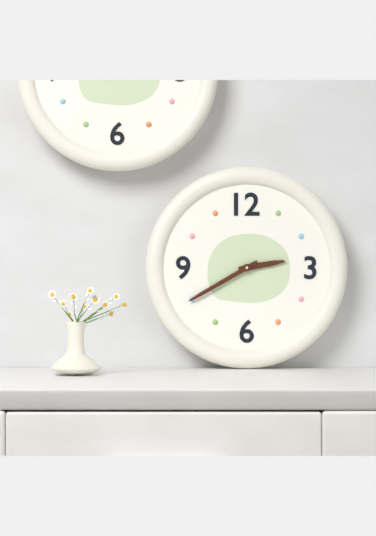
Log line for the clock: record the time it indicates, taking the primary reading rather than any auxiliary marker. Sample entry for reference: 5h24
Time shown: 2h40
